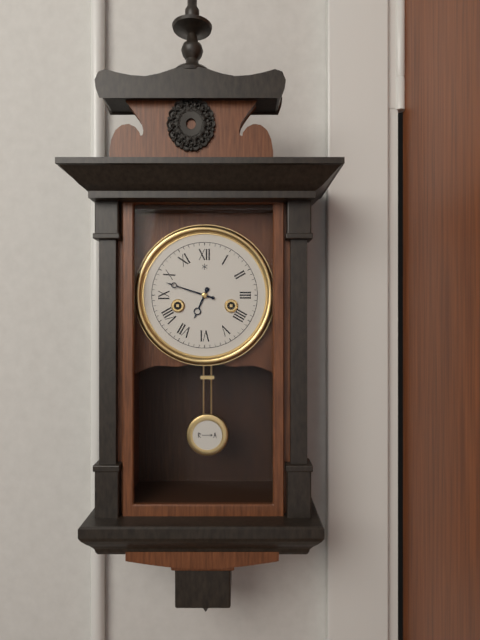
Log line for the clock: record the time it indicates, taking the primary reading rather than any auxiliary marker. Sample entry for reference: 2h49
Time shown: 6h48
